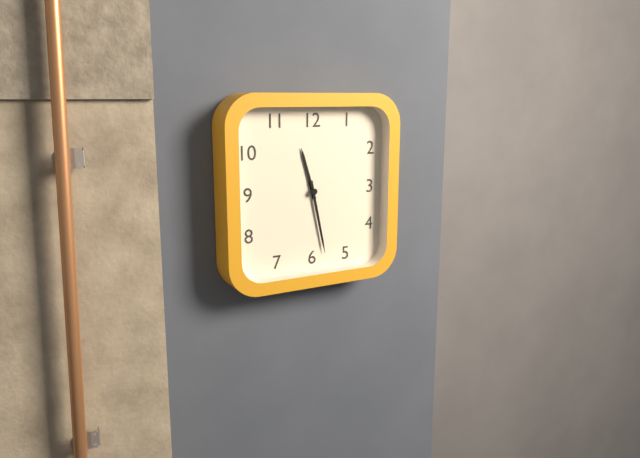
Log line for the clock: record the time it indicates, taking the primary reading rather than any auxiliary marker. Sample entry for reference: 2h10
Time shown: 11h28
